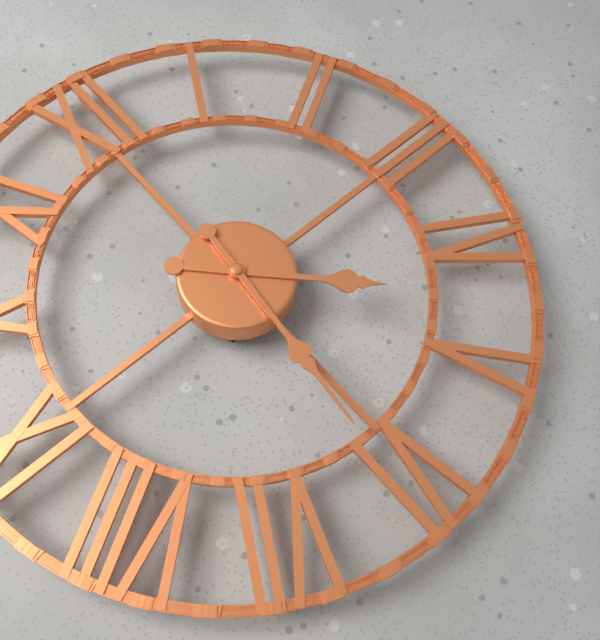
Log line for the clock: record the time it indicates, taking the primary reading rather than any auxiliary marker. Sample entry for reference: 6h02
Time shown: 4h31
